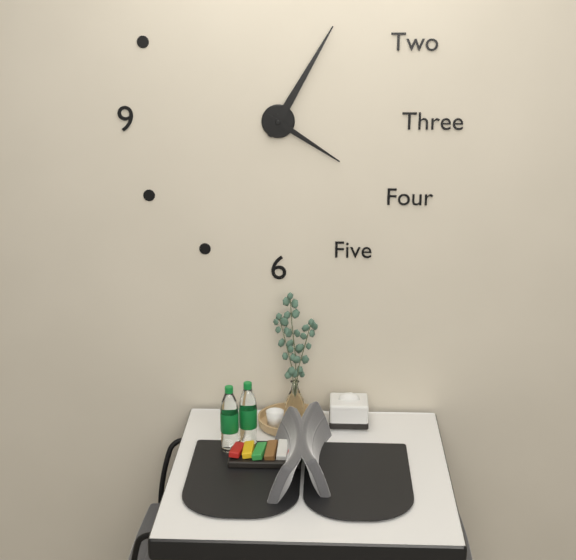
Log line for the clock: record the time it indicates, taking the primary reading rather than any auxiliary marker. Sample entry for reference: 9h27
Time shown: 4h05
